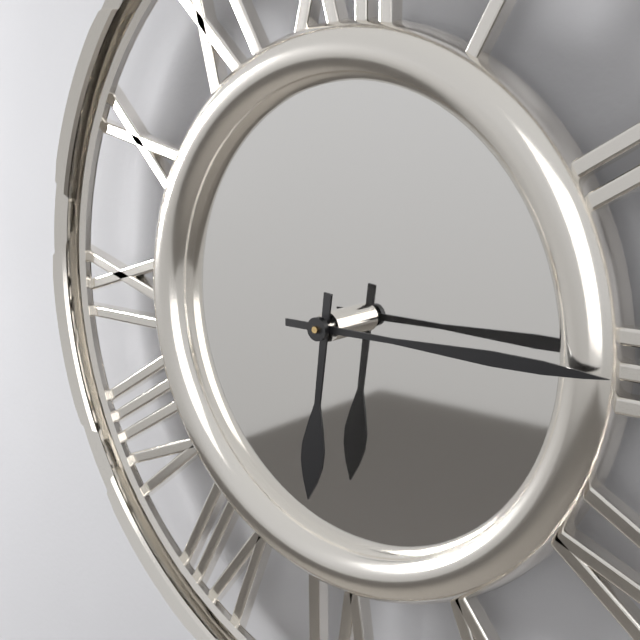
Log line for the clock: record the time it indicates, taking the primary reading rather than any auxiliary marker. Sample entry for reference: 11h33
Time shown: 6h15
